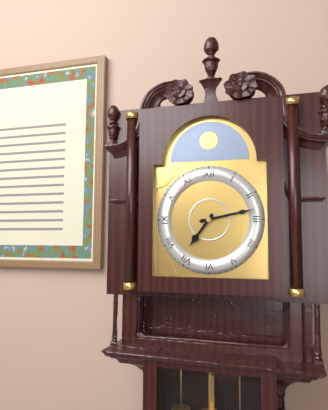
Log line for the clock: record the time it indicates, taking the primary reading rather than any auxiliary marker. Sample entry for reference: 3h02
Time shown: 7h13
